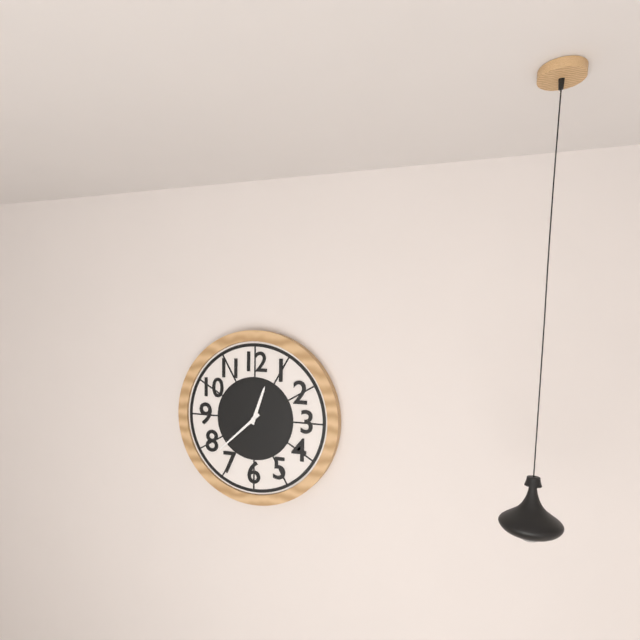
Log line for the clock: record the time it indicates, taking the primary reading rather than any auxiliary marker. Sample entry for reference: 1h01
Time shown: 12h38
